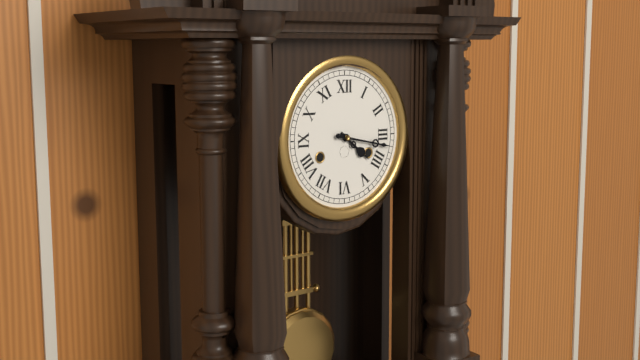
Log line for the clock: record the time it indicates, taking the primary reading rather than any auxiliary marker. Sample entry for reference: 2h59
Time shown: 4h17
